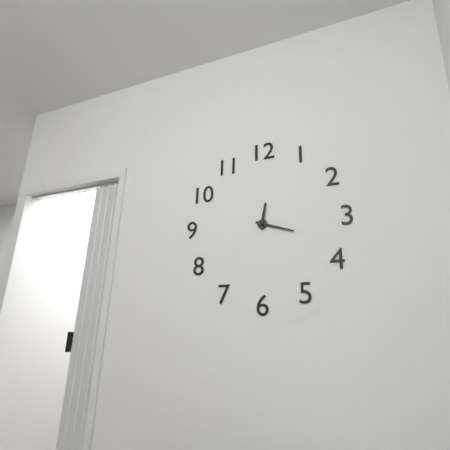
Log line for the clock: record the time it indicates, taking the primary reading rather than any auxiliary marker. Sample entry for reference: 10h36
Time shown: 12h18
